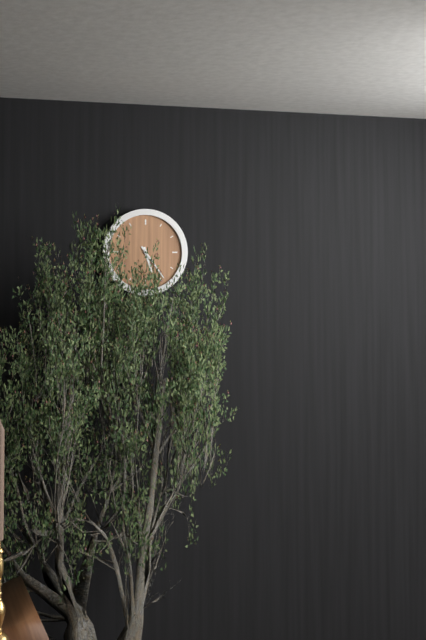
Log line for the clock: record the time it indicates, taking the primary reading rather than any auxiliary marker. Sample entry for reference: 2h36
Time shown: 5h24
